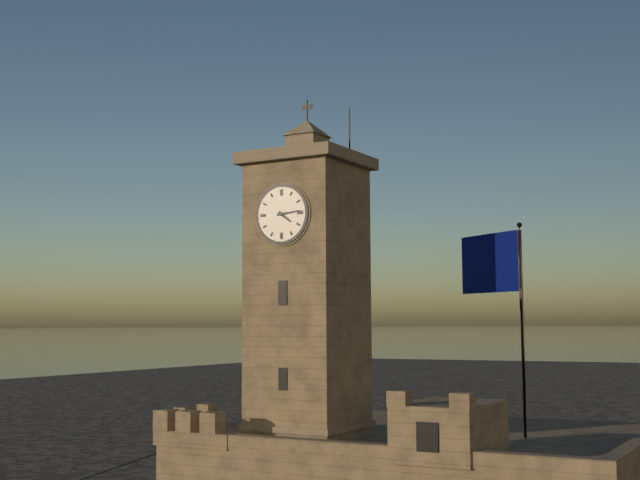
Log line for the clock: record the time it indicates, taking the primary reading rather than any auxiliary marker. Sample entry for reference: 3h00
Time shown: 4h14
